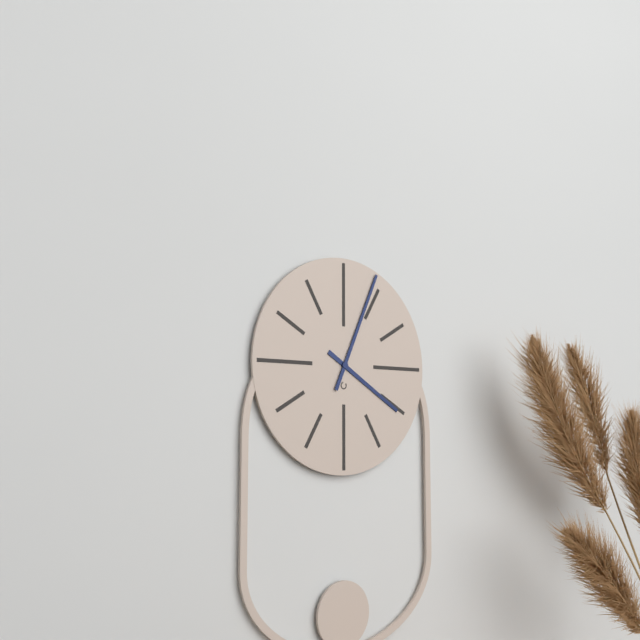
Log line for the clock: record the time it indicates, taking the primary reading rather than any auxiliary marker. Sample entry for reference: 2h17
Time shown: 4h04
